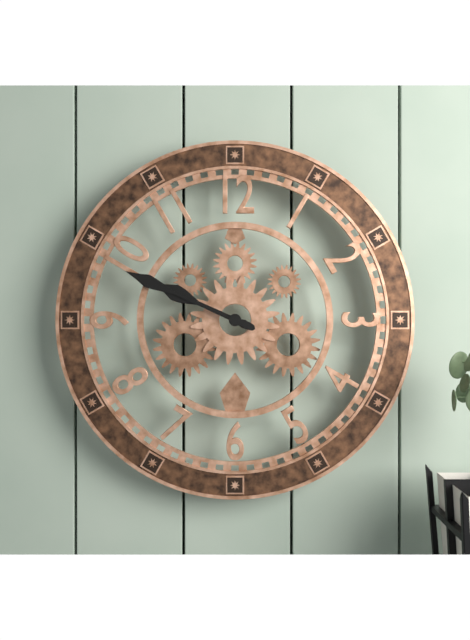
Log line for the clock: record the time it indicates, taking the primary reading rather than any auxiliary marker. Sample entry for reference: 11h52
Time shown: 9h49
